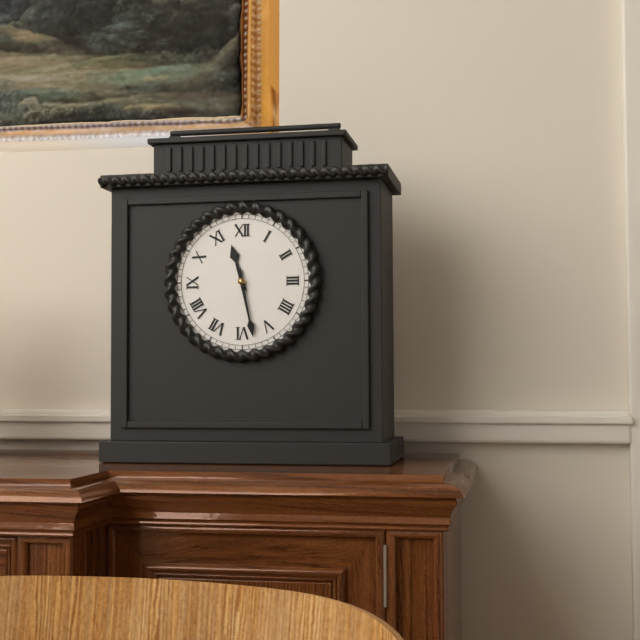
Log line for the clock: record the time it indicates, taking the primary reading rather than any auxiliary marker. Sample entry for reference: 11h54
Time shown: 11h28
